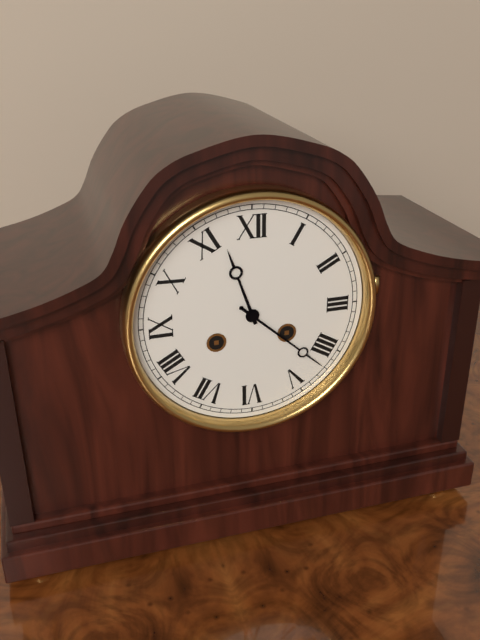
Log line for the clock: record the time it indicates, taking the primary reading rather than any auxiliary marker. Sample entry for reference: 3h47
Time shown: 11h22
